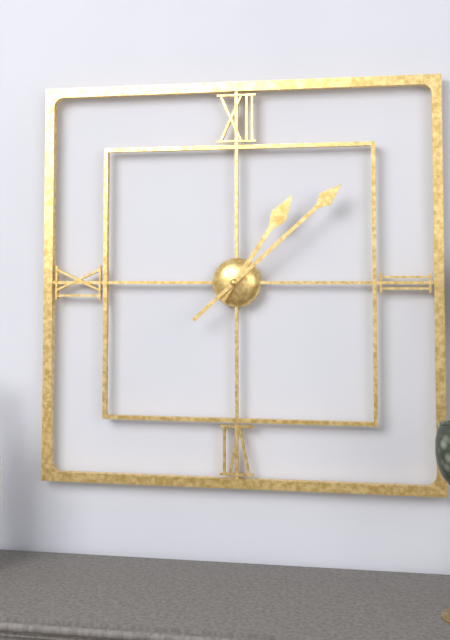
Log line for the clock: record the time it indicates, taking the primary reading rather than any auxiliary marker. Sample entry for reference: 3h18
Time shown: 1h08
